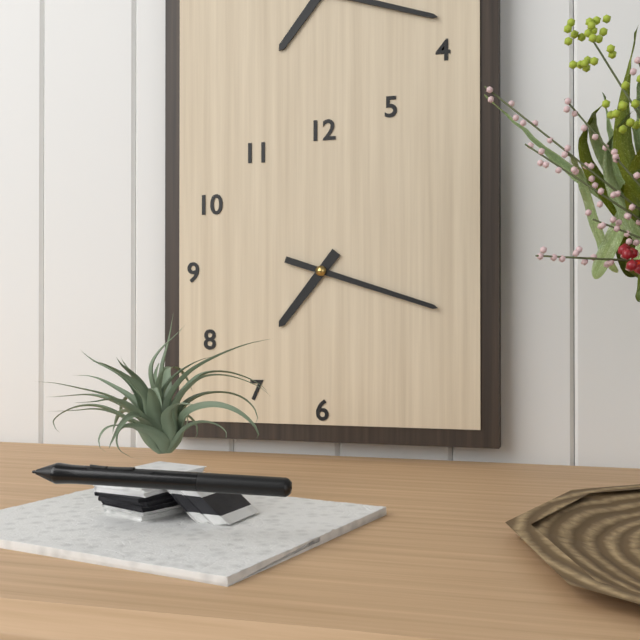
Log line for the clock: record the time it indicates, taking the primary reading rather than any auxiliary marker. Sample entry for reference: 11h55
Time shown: 7h18
